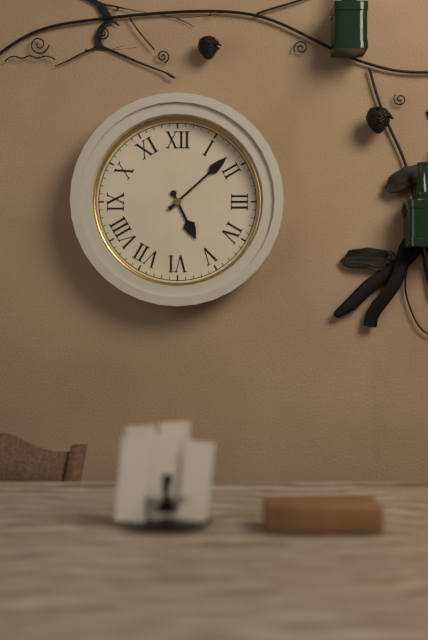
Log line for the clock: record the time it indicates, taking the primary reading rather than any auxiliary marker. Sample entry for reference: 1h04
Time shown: 5h08
